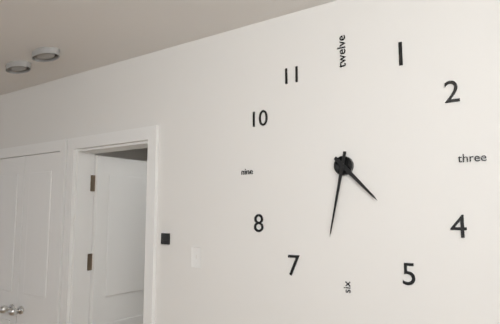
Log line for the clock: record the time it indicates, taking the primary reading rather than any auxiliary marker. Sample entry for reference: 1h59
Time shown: 4h32
